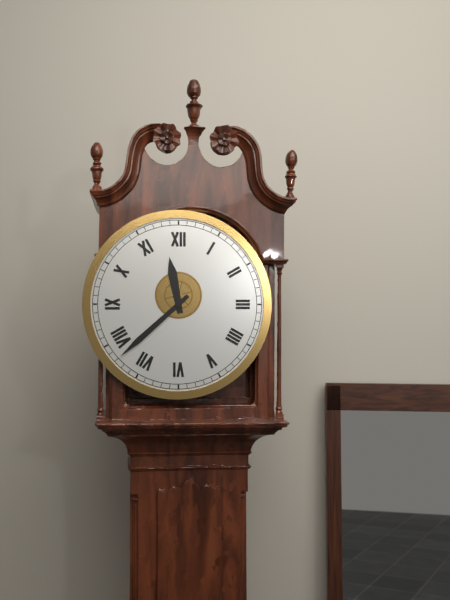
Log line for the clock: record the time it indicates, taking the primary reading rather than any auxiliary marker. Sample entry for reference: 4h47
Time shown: 11h38
